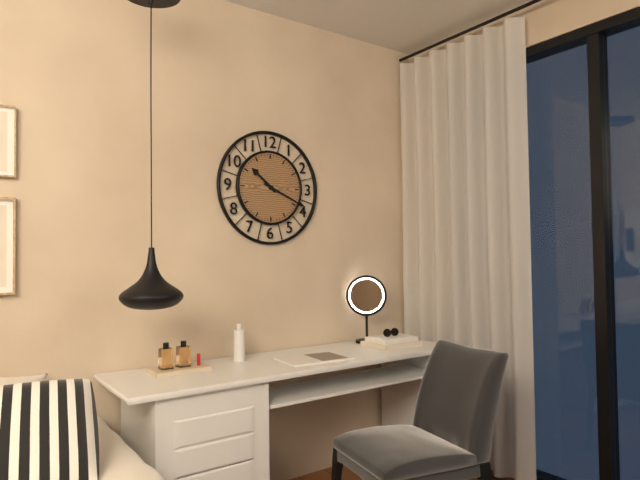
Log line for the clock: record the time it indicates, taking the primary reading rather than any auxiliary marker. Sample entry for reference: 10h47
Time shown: 10h19
